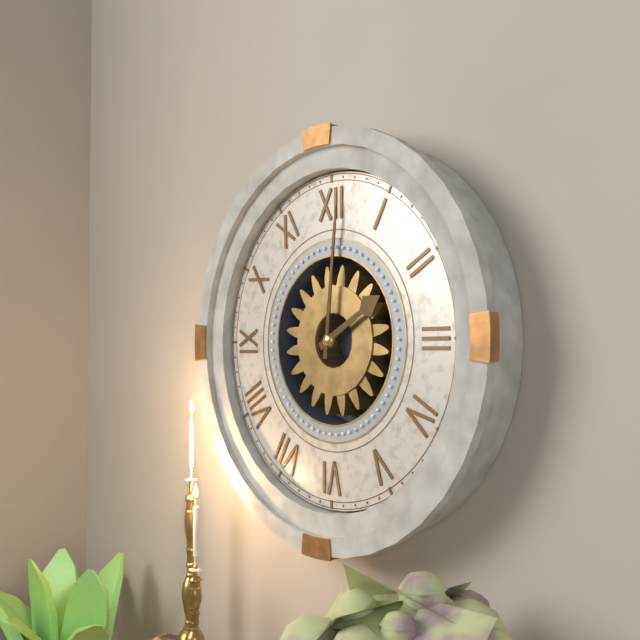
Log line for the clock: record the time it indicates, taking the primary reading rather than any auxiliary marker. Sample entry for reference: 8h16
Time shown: 2h01
